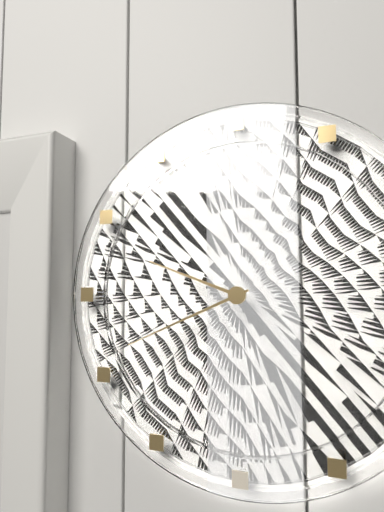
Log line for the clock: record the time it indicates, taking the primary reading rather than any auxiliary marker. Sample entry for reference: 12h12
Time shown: 9h41
